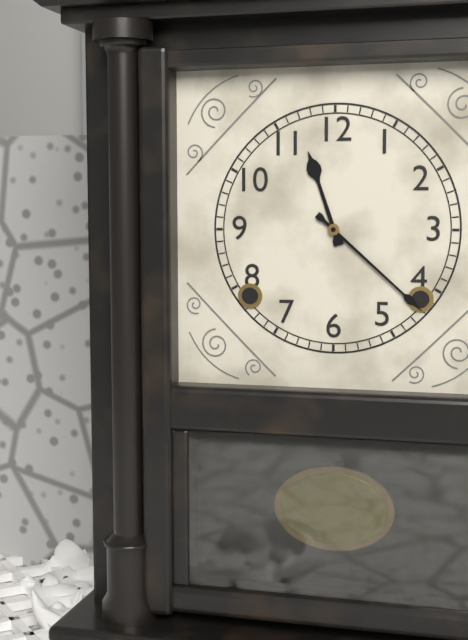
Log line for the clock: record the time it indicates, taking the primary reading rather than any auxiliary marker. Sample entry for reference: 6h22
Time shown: 11h22
